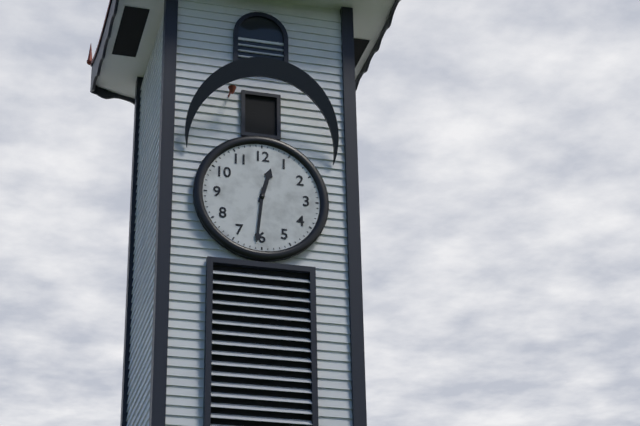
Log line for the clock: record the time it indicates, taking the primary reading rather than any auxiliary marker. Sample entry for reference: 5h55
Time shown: 12h31
